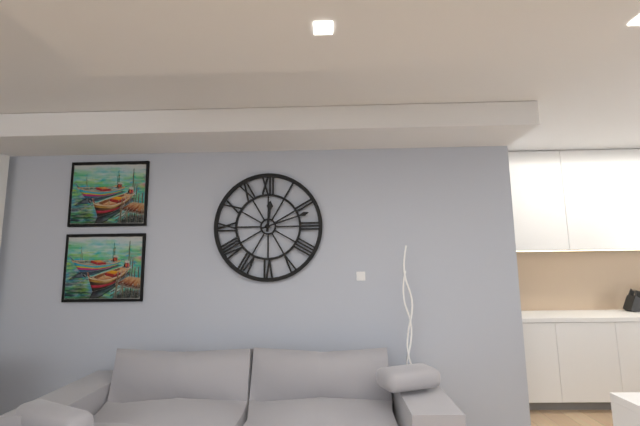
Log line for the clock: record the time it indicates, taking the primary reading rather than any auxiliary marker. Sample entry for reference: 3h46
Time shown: 12h12
